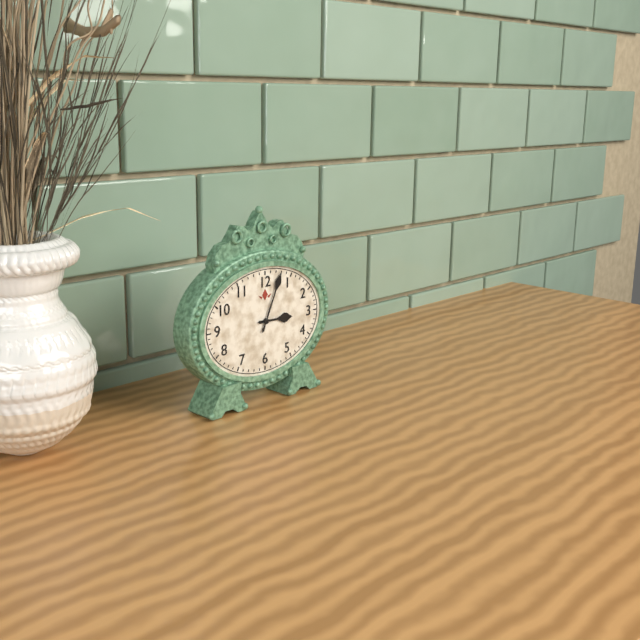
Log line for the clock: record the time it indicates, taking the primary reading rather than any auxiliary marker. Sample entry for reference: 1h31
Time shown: 3h04
